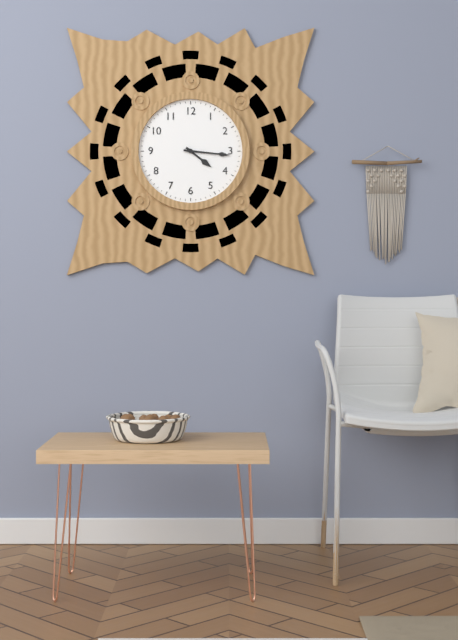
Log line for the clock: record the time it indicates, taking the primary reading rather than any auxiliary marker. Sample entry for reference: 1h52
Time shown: 4h16
